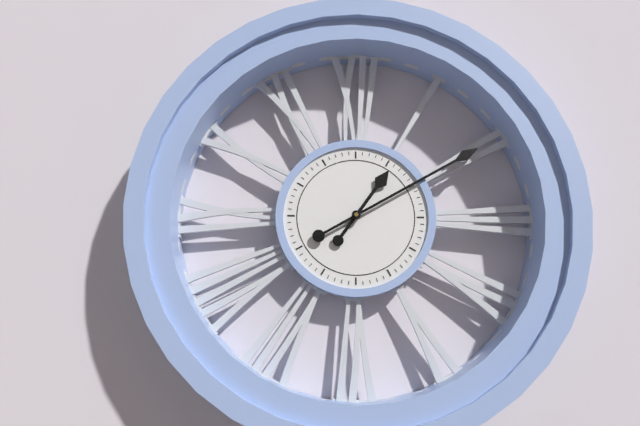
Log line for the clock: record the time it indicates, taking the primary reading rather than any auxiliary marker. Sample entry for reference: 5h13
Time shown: 1h10
